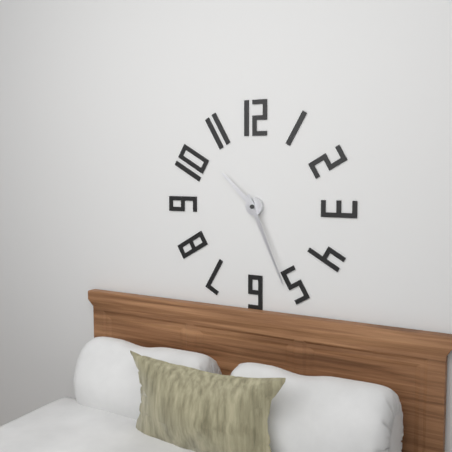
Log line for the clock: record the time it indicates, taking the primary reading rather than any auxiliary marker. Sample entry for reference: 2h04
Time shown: 10h26
